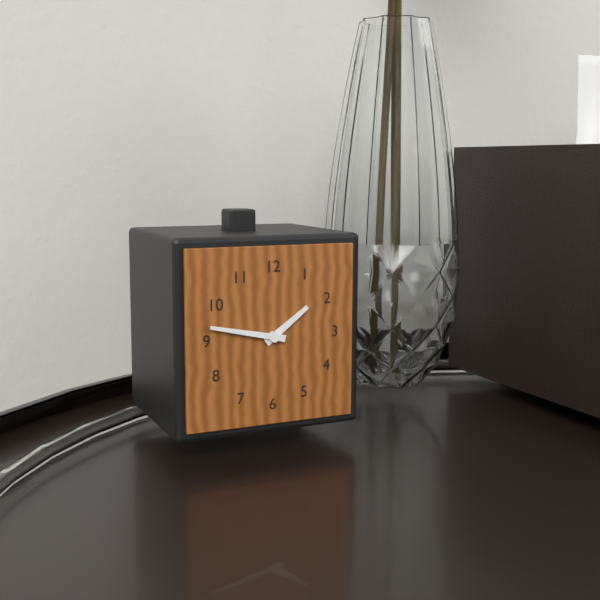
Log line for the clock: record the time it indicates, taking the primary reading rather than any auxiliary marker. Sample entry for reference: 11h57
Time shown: 1h47
